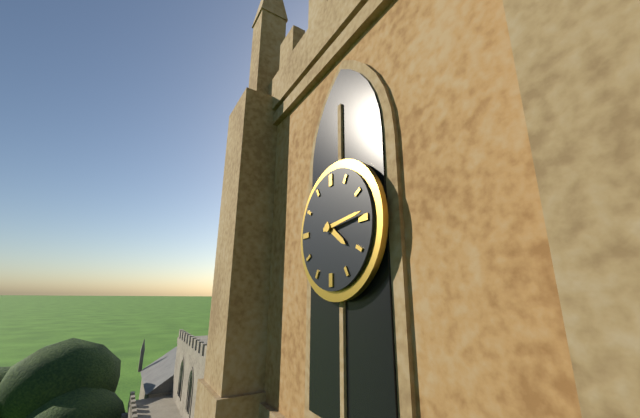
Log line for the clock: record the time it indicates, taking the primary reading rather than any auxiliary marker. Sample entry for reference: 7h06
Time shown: 4h14
